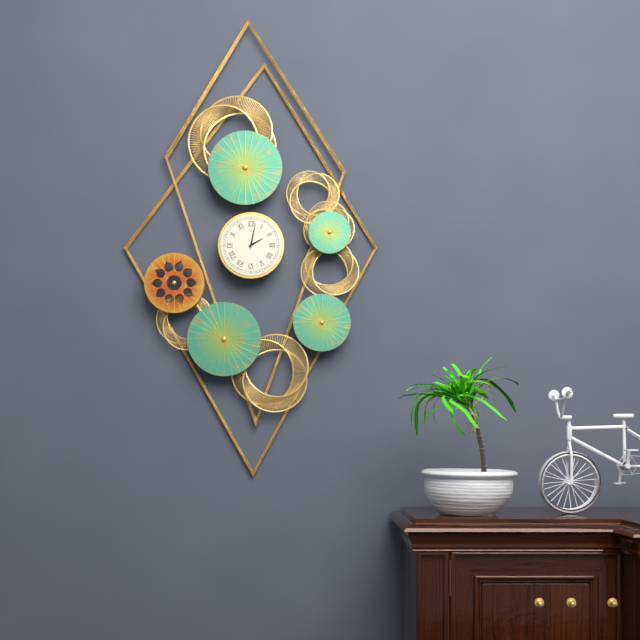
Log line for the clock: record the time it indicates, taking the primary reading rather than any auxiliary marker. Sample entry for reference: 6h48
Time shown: 2h02
